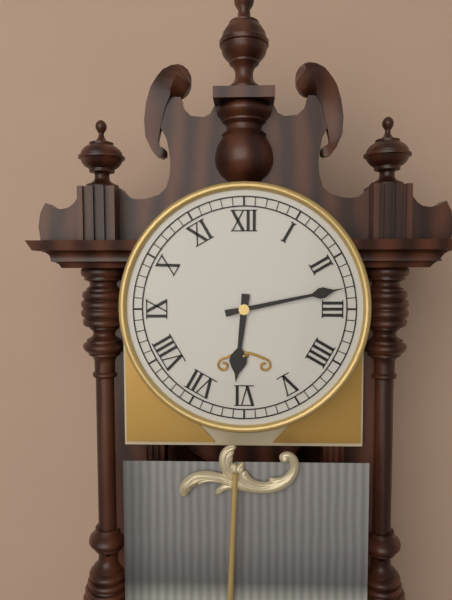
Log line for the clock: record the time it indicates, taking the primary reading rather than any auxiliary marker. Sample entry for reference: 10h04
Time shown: 6h13
